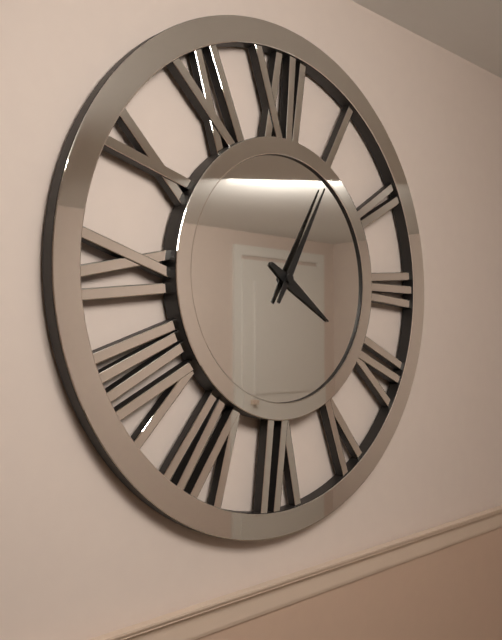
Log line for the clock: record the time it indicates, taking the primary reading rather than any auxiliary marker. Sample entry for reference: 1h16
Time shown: 4h05
